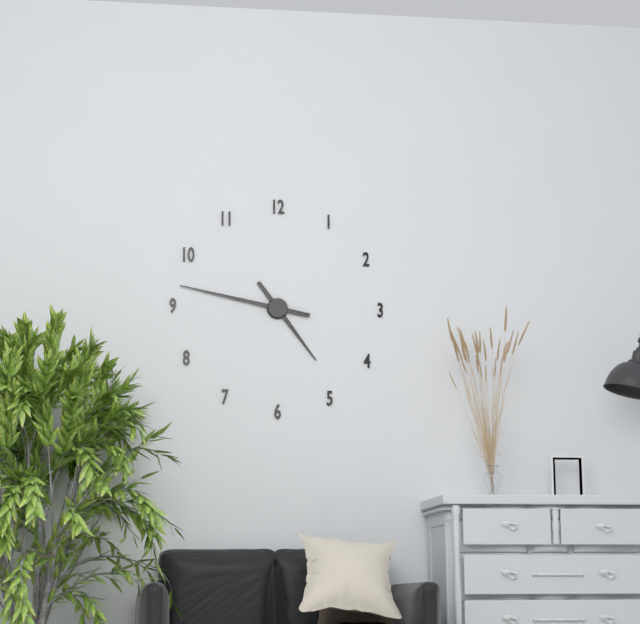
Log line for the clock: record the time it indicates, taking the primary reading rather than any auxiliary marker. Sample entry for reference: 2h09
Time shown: 4h47
